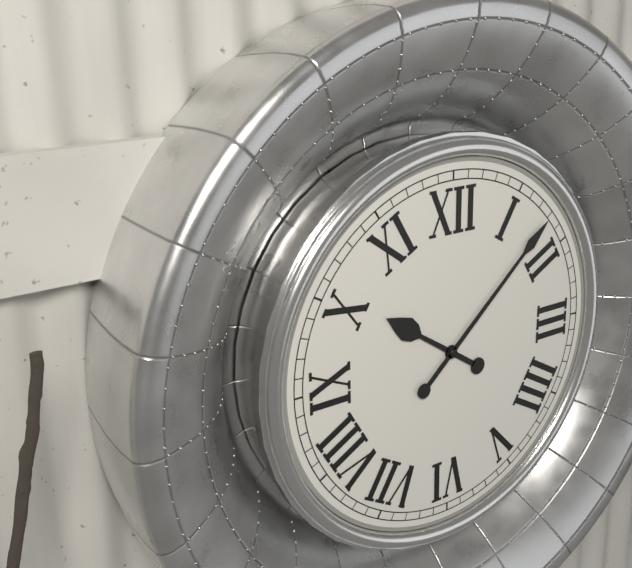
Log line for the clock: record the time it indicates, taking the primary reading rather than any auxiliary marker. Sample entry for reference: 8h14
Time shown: 10h08
